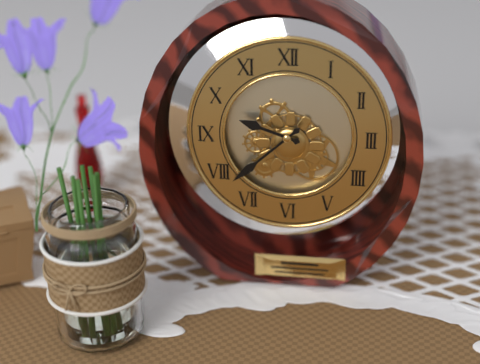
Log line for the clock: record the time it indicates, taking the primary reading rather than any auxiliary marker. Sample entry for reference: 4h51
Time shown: 9h38
